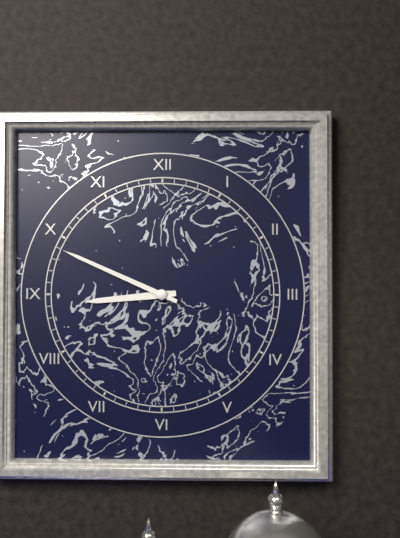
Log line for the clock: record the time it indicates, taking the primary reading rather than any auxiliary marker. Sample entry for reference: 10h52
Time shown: 8h49
